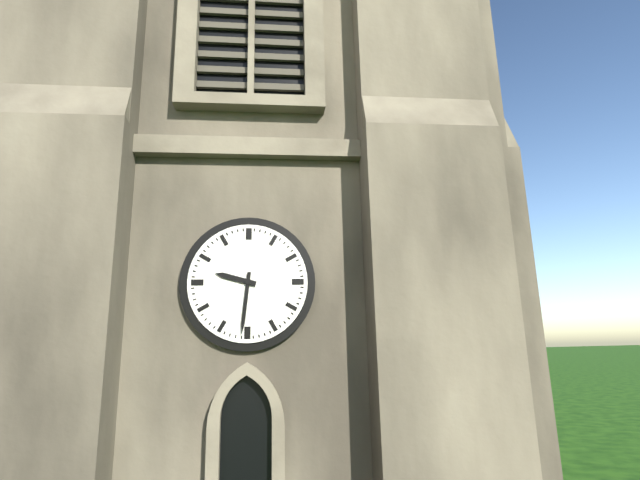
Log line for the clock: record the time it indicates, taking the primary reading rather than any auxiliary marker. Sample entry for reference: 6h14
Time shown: 9h31
